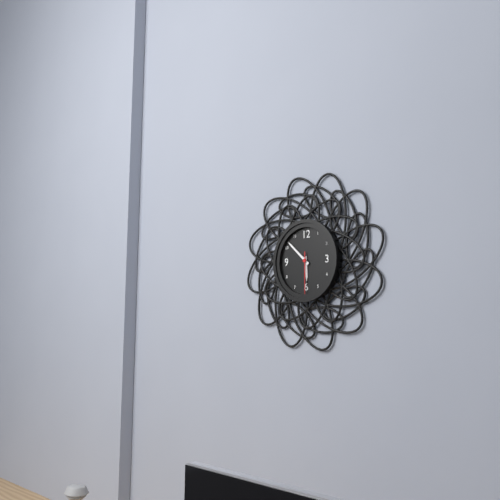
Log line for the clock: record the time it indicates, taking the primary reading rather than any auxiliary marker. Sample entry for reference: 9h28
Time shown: 5h52
